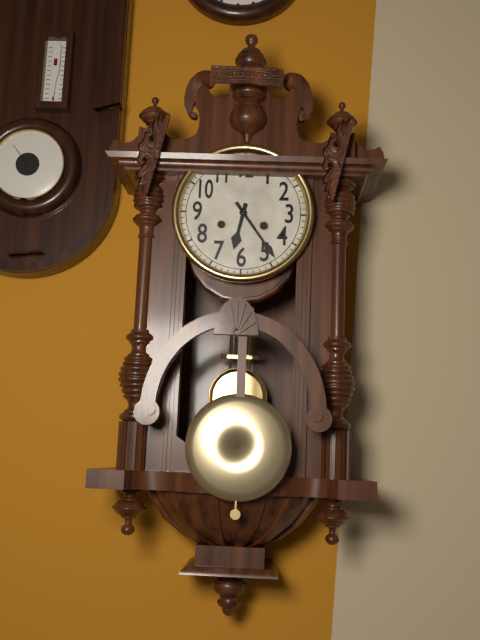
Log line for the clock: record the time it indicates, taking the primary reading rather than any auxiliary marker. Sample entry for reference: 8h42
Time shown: 6h24
